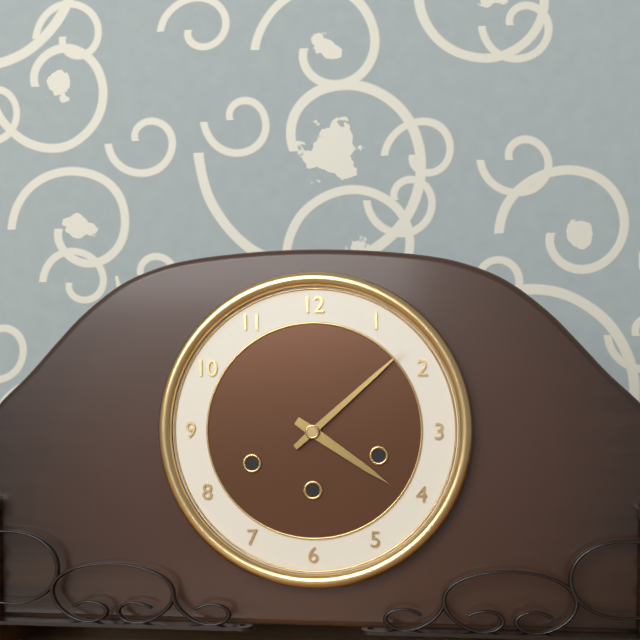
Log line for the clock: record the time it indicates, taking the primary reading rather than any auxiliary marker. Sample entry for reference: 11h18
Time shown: 4h08
